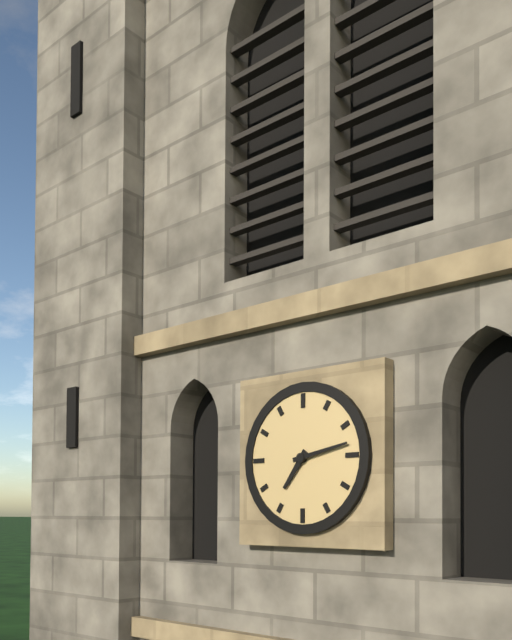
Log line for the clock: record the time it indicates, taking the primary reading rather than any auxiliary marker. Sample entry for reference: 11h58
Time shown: 7h13
